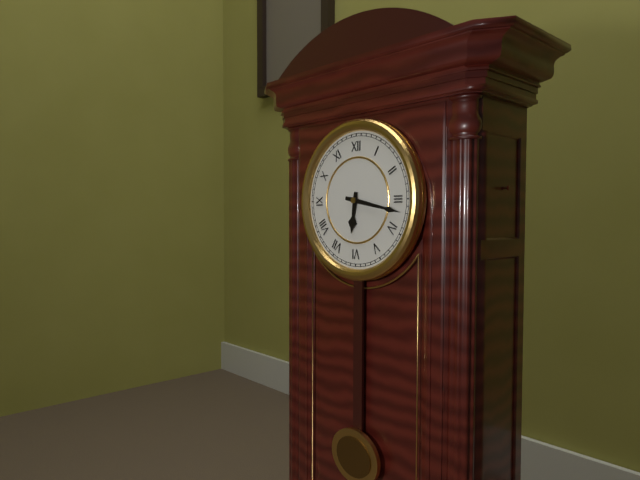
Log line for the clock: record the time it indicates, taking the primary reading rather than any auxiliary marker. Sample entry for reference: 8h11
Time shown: 6h17
